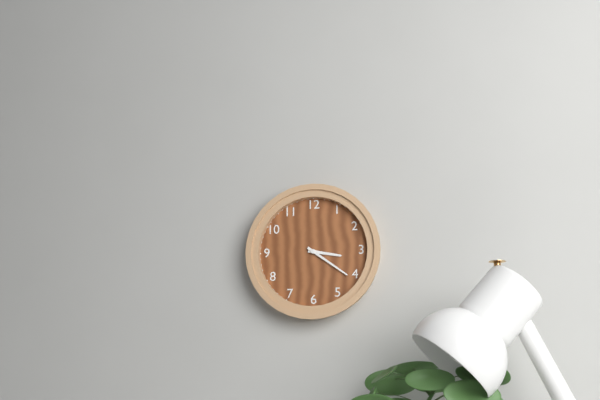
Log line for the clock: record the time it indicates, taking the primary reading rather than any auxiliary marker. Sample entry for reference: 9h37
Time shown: 3h21
